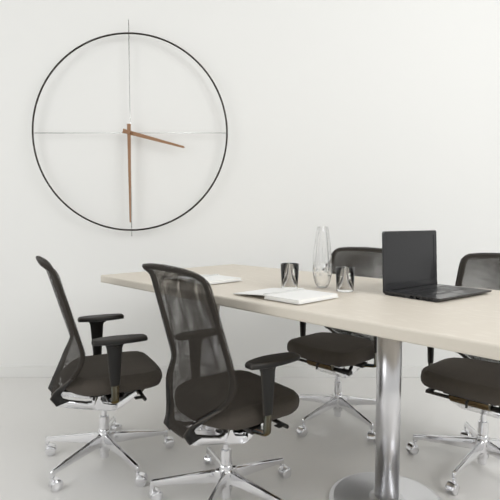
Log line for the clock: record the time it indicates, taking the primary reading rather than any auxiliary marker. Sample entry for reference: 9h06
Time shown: 3h30
